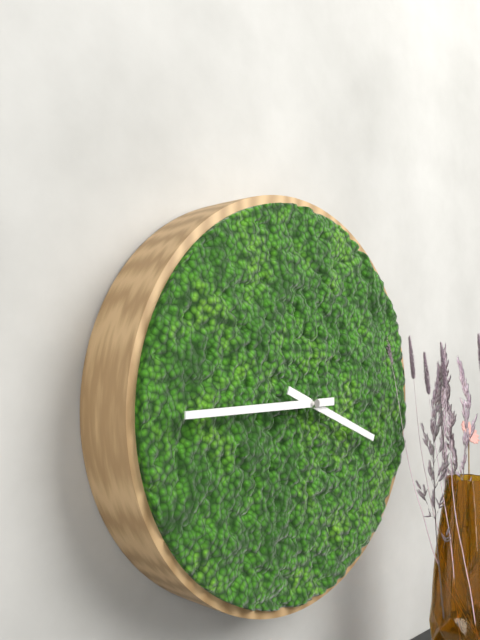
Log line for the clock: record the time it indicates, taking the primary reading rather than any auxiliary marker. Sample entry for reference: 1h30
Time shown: 3h45
